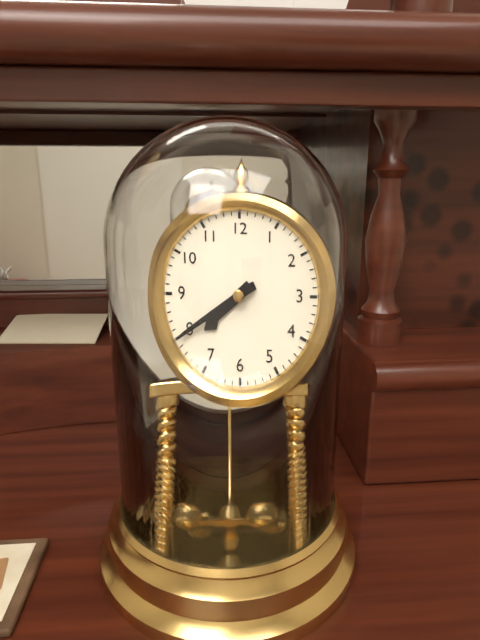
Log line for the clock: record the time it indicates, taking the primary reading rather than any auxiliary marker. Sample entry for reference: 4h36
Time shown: 7h40
